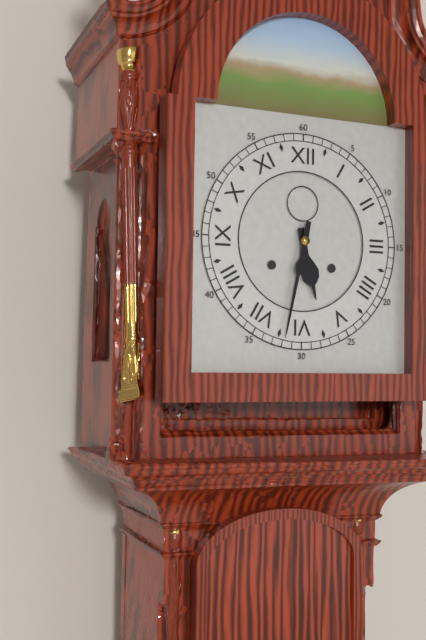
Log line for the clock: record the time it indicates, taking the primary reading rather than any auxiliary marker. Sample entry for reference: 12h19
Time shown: 5h32
